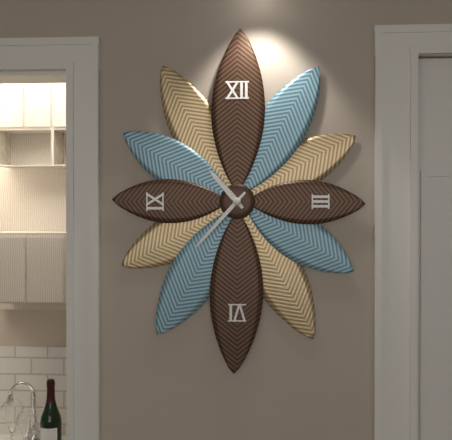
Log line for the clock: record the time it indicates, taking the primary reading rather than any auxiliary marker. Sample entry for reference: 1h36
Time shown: 10h37
